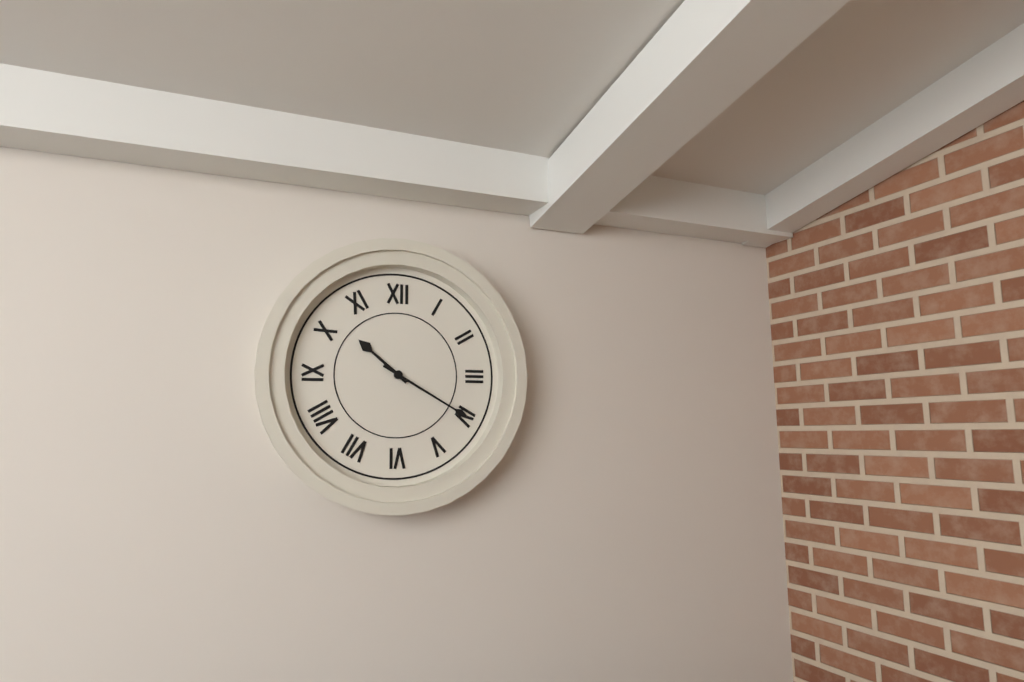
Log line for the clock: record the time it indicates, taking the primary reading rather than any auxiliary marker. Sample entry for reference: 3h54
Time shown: 10h20
